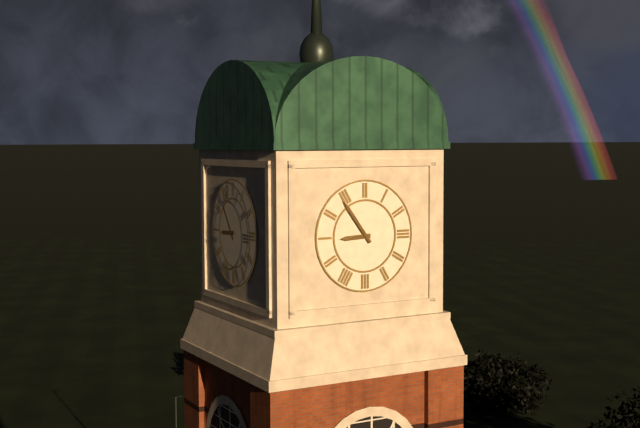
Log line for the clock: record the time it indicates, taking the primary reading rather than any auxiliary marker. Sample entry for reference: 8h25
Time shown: 8h54
